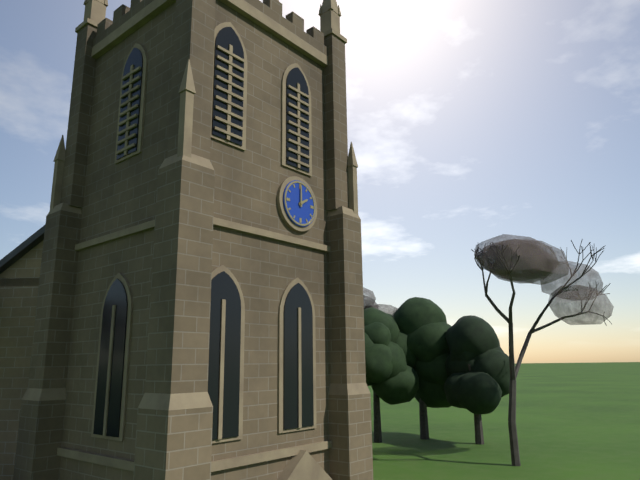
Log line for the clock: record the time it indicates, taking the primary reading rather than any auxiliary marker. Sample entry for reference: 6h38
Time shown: 2h00
